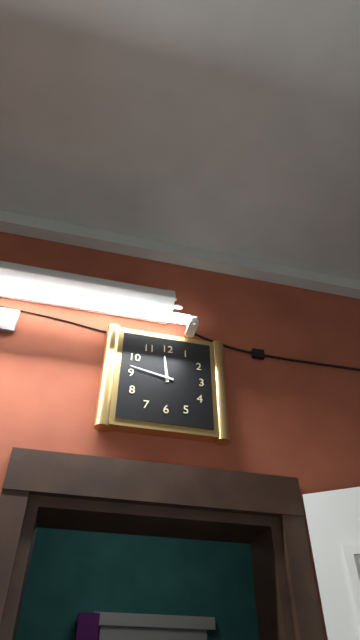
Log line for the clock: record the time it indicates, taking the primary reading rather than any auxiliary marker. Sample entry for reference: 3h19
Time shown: 11h47
